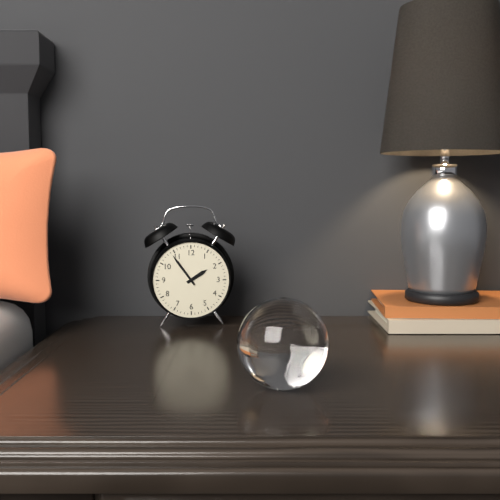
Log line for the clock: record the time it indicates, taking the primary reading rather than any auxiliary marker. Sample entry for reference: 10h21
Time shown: 1h54
